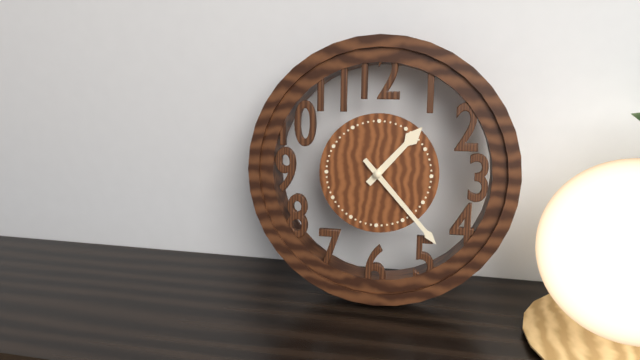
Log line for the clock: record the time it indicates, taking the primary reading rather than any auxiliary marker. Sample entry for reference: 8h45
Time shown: 1h23
